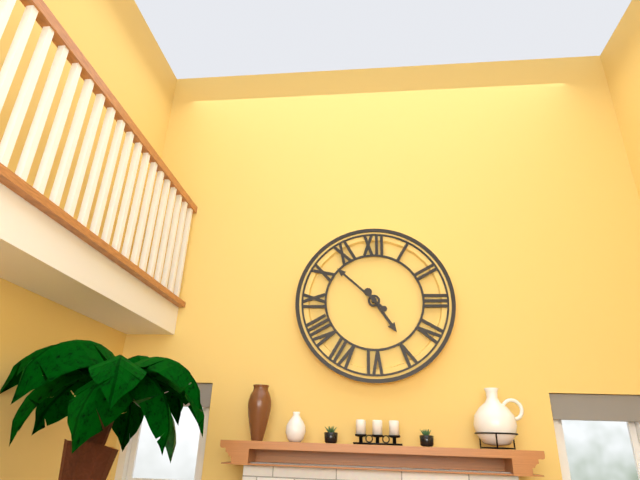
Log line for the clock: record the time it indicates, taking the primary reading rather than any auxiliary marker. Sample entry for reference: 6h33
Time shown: 4h52
